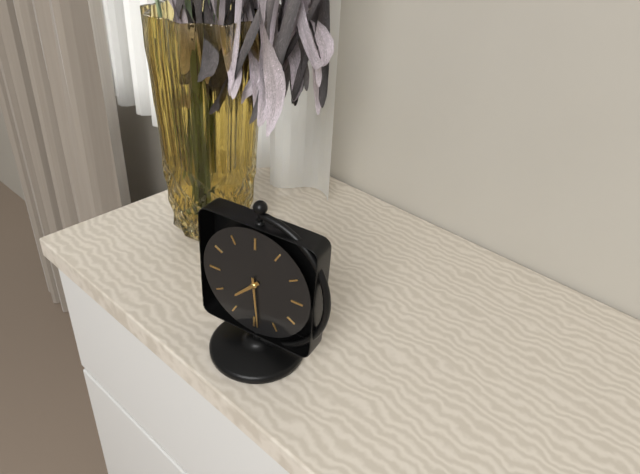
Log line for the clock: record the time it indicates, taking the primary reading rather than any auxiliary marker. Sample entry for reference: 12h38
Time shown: 7h29
